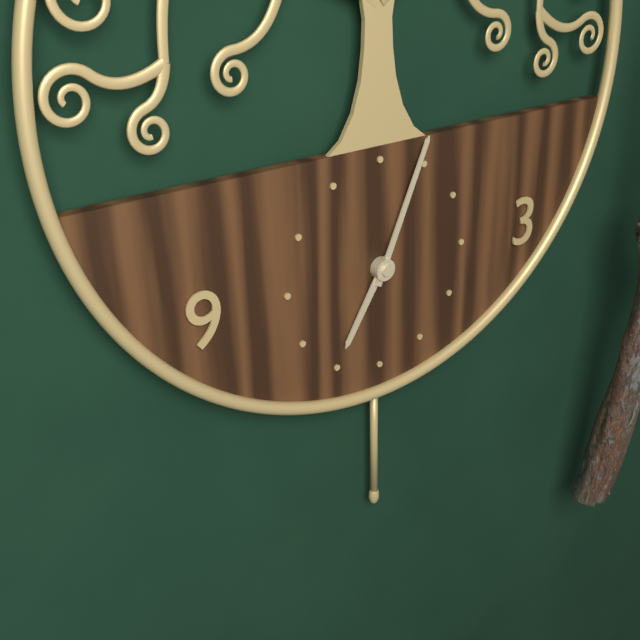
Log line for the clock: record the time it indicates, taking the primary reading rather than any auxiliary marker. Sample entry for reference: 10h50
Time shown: 7h04
